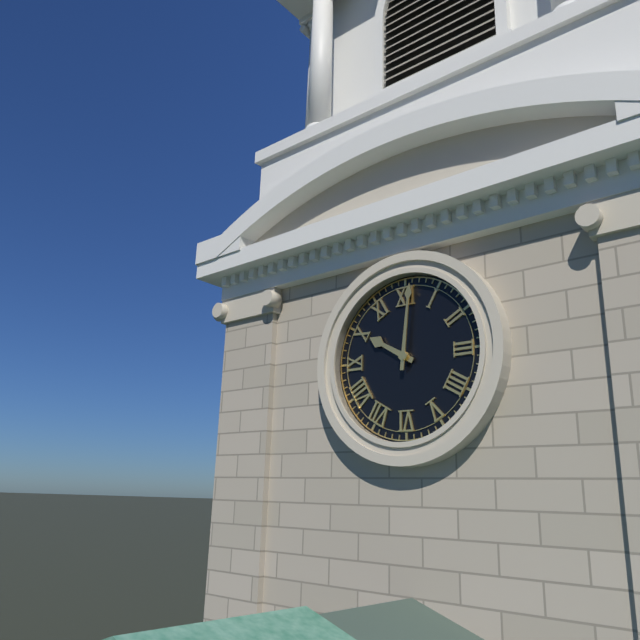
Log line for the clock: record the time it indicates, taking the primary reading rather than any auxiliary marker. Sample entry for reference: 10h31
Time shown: 10h01
